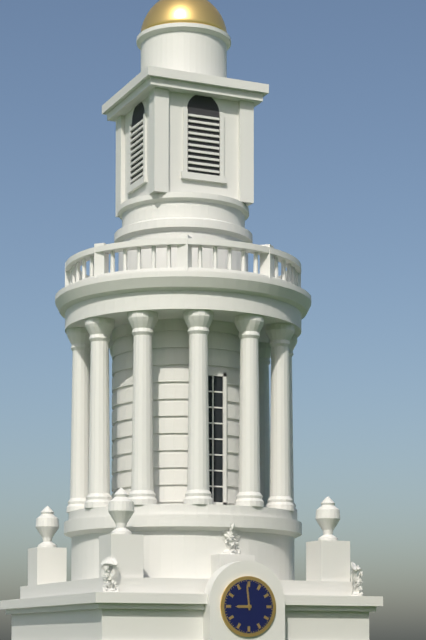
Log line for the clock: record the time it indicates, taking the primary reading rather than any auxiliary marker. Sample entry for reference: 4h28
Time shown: 8h59
